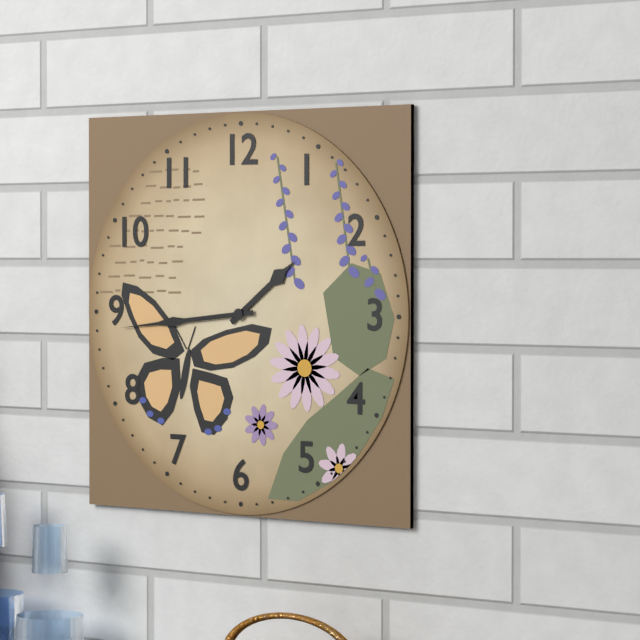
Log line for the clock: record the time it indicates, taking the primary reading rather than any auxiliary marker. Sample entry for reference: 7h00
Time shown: 1h44
